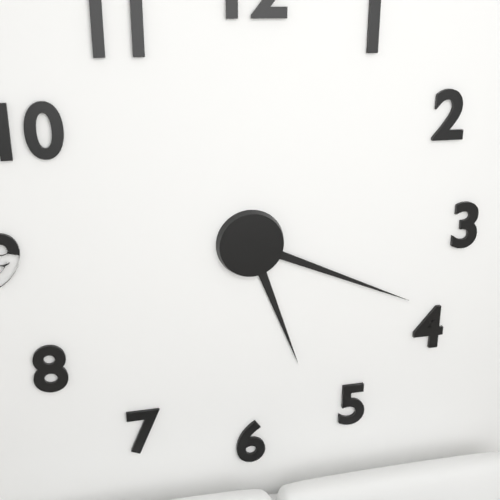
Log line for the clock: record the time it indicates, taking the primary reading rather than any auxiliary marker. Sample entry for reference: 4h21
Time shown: 5h19
